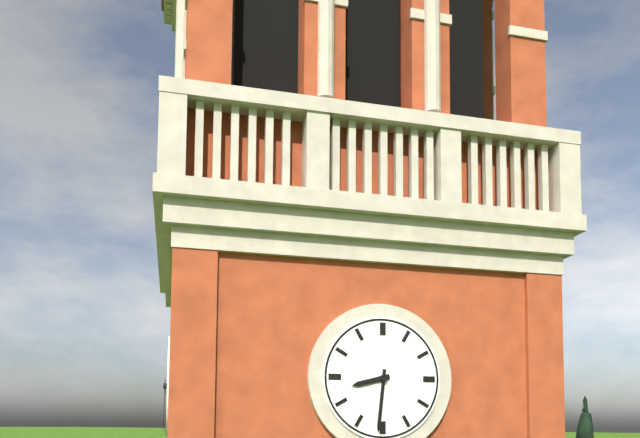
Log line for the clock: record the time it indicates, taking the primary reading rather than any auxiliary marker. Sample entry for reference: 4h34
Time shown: 8h31
